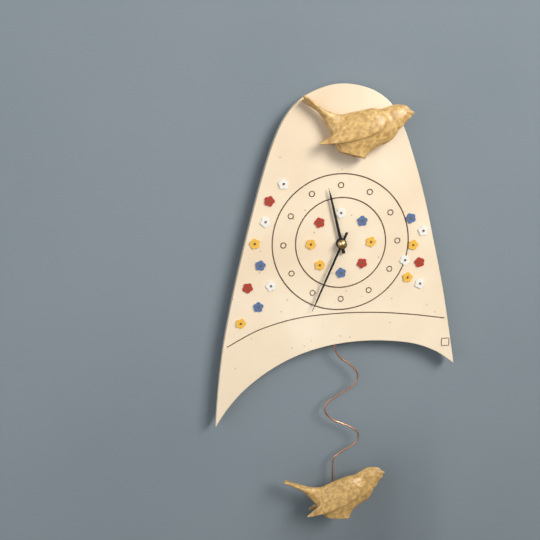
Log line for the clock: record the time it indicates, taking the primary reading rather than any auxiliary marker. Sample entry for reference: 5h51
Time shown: 11h34
